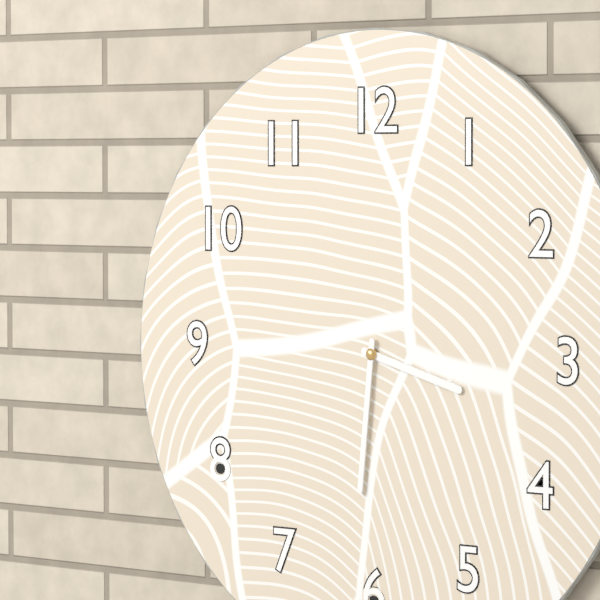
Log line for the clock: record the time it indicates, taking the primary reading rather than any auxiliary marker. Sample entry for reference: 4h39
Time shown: 3h31
